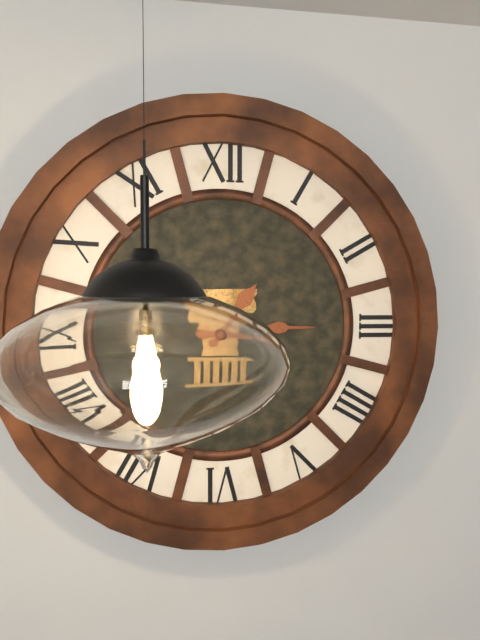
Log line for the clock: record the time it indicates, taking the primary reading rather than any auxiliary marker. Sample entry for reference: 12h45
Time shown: 1h15
